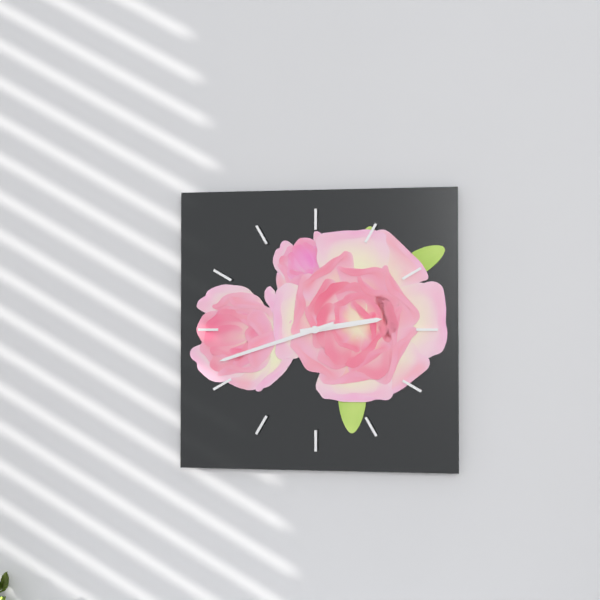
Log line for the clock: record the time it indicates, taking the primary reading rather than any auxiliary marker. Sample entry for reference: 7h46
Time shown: 2h42
